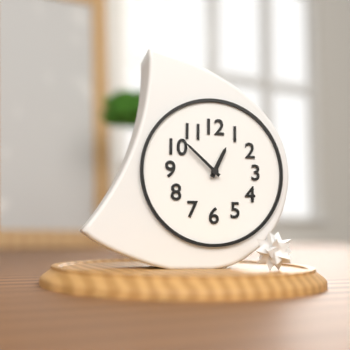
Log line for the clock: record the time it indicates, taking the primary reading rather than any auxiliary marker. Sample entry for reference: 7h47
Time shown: 12h52
